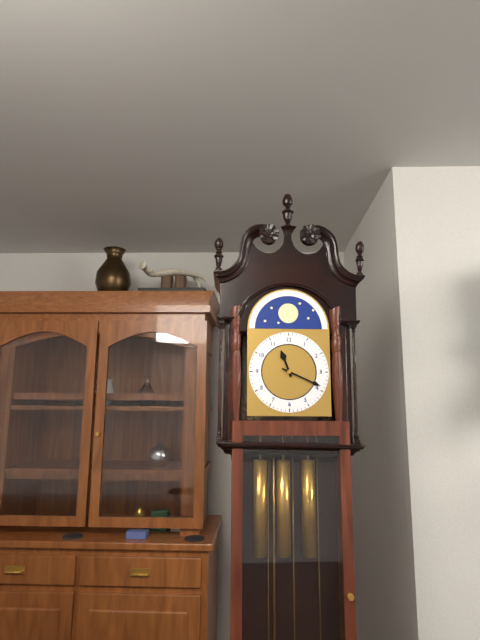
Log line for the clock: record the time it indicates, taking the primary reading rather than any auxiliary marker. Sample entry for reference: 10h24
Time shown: 11h19
